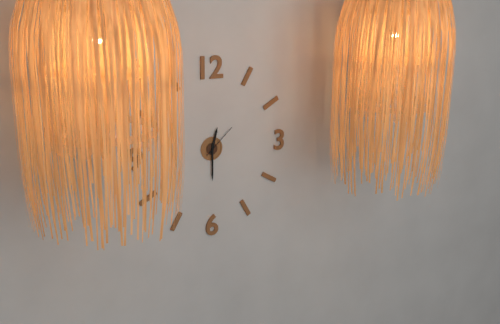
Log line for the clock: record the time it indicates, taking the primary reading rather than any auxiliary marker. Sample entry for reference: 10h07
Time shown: 12h30
